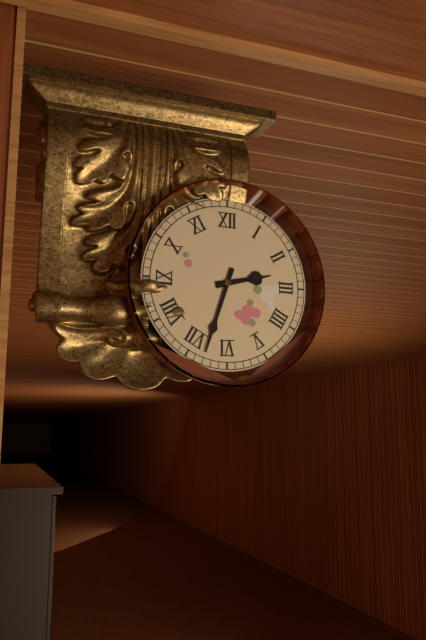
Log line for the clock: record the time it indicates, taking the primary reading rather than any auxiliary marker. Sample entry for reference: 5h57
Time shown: 2h33
